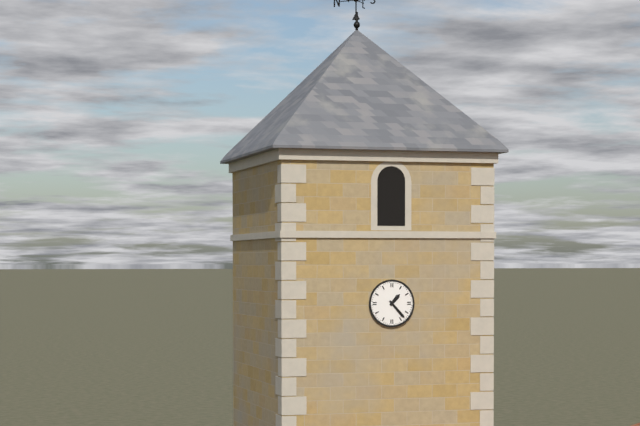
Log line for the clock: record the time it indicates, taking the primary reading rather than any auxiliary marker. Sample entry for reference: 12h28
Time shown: 1h23
